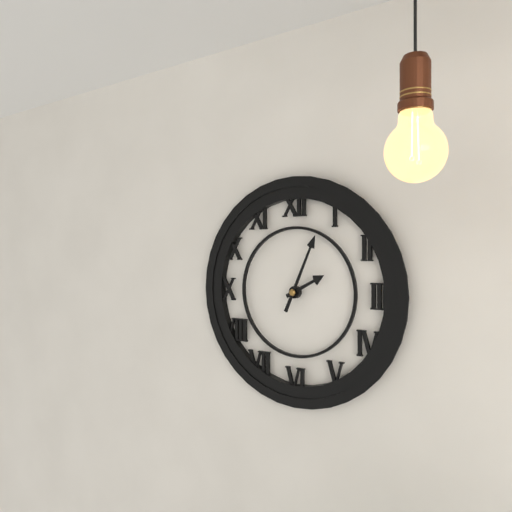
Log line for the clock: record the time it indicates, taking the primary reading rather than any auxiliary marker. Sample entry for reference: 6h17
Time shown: 2h04
